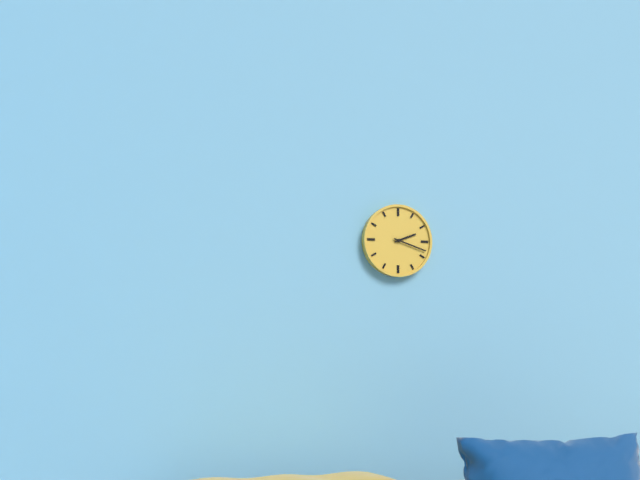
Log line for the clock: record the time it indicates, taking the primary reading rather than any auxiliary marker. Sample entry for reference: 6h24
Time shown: 2h18
